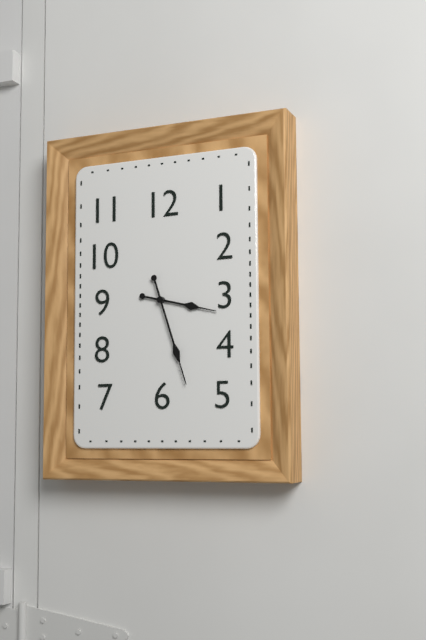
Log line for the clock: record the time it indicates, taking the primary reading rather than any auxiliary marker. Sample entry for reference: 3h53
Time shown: 3h27
